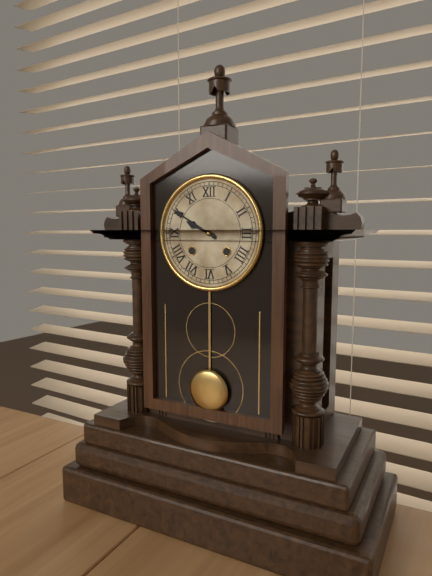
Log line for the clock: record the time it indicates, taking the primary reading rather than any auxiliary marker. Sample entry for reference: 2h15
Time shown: 9h50
